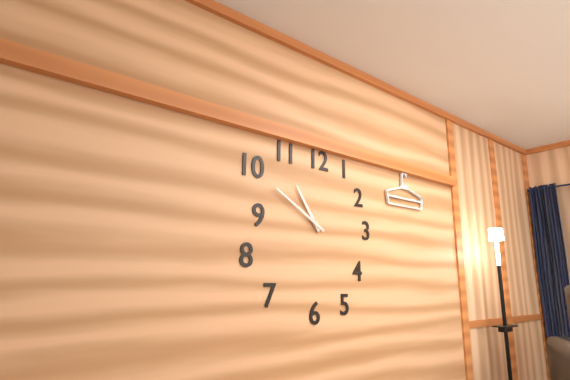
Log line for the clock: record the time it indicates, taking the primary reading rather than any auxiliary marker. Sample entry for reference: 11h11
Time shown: 10h50
